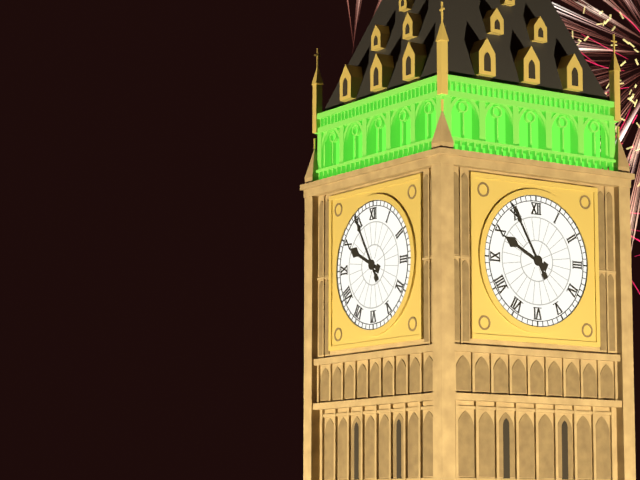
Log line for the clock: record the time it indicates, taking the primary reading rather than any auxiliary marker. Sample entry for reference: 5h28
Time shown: 9h55
